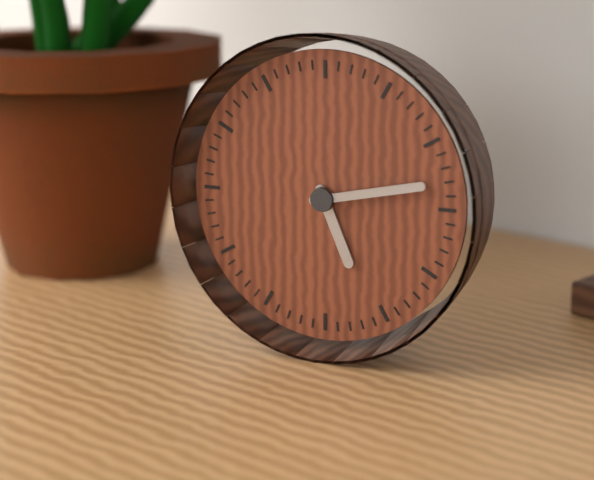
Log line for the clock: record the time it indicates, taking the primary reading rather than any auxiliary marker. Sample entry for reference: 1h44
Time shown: 5h13
